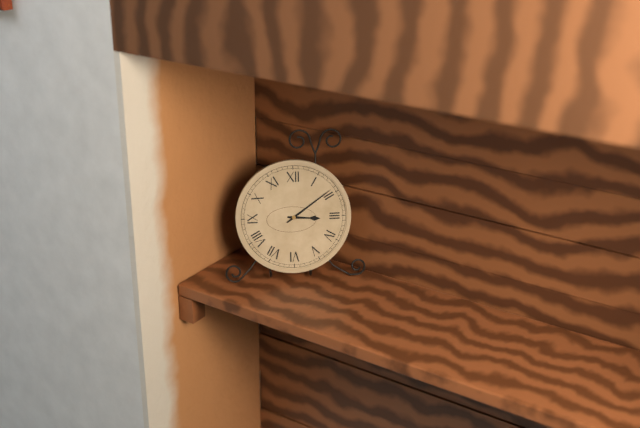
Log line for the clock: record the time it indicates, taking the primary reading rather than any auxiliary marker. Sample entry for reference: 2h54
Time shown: 3h09
